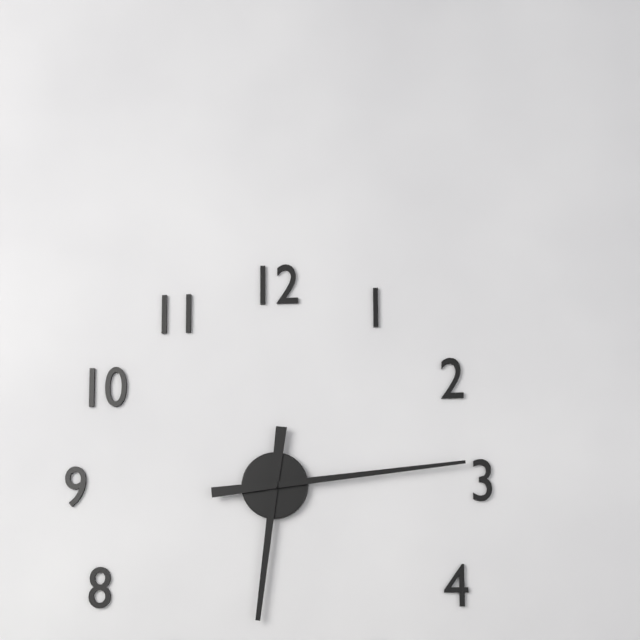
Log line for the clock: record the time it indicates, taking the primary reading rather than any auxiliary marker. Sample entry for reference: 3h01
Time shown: 6h14
